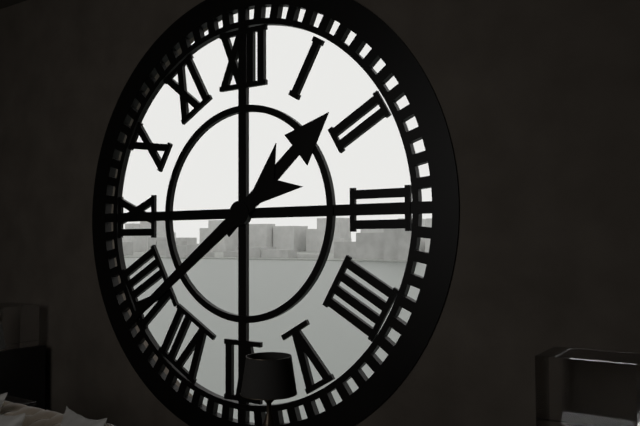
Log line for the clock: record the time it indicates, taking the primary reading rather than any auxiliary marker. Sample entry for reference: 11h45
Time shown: 1h39
